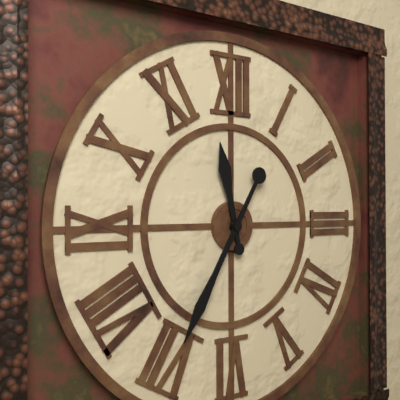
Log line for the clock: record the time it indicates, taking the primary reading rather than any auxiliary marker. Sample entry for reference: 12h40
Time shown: 11h35
